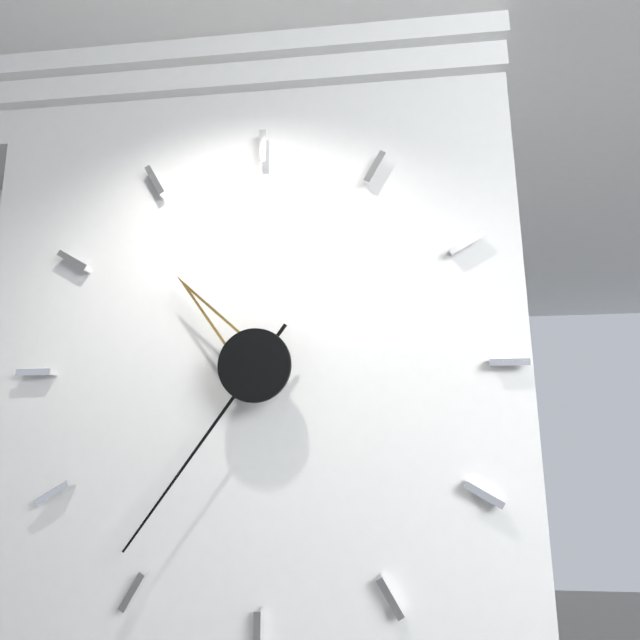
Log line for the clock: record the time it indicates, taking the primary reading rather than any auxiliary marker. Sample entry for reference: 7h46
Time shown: 10h36
